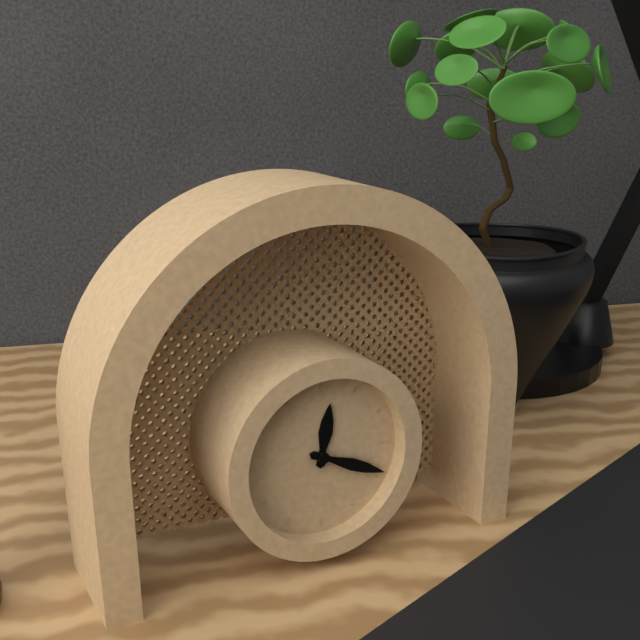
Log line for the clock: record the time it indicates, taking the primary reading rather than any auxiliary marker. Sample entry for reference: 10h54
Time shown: 12h19
